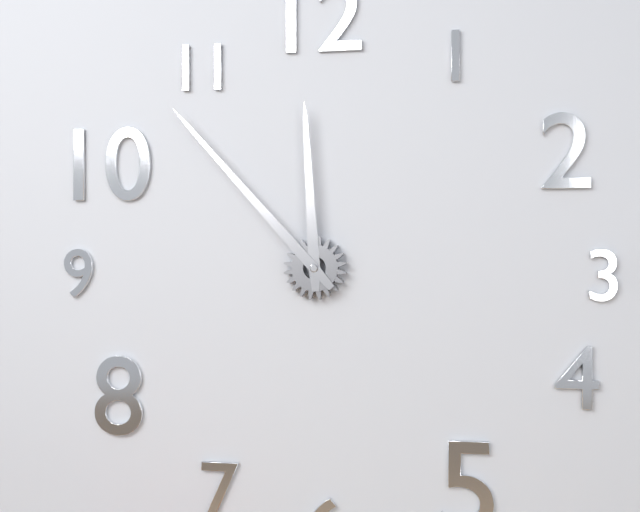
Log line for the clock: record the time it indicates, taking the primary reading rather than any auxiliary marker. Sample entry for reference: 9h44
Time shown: 11h53
